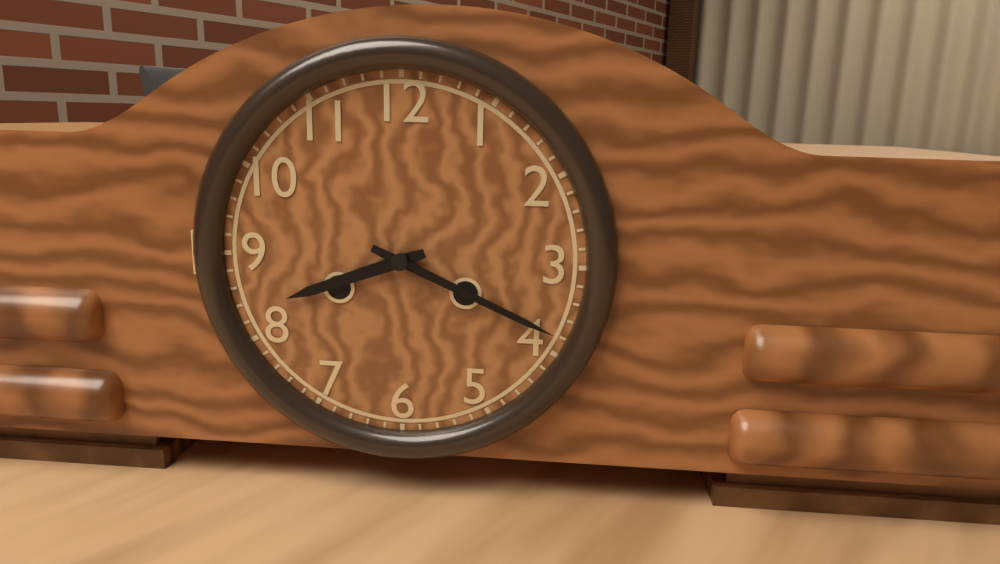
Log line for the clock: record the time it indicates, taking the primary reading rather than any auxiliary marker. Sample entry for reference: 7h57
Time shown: 8h19
